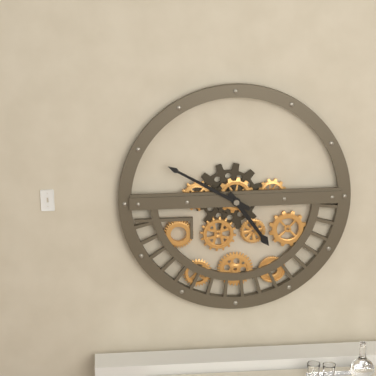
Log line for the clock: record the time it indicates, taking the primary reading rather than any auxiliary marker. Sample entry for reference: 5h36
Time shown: 4h50
